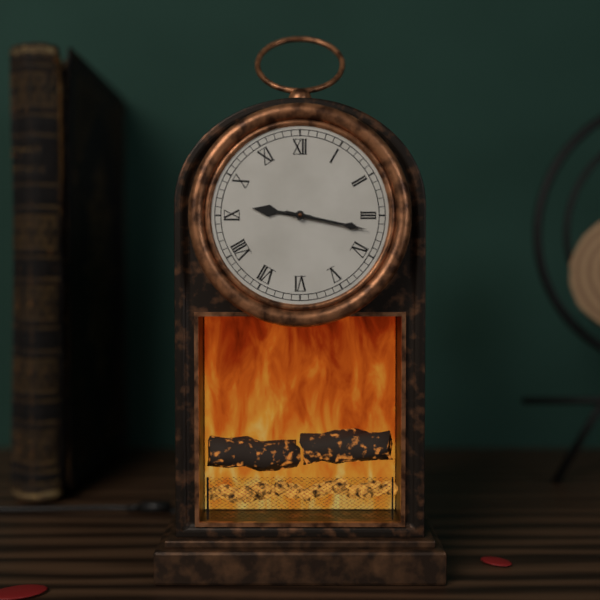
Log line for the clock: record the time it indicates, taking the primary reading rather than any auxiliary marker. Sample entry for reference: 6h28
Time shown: 9h17
